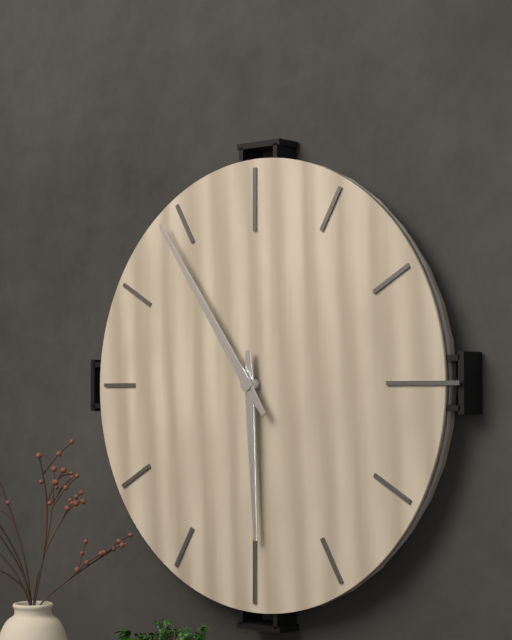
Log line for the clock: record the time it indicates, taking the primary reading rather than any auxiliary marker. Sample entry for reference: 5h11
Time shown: 5h54
